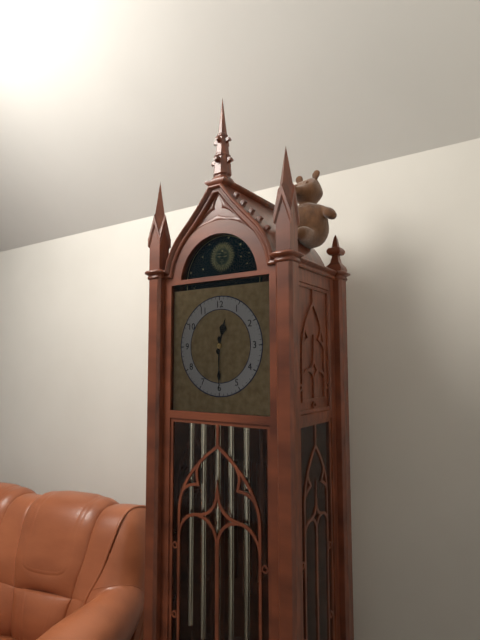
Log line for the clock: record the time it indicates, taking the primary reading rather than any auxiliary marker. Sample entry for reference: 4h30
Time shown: 12h30
